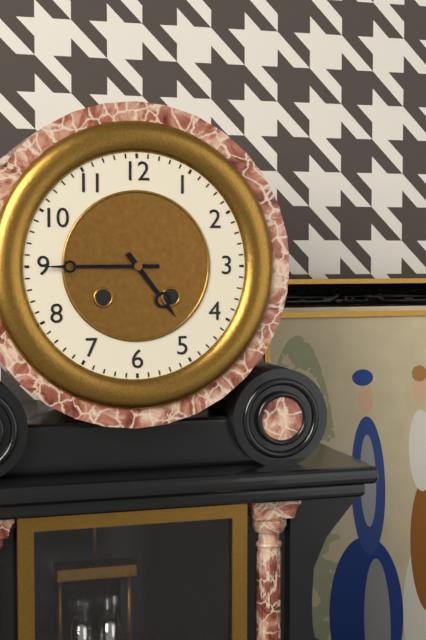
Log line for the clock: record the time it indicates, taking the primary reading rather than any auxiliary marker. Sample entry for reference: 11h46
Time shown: 4h45
